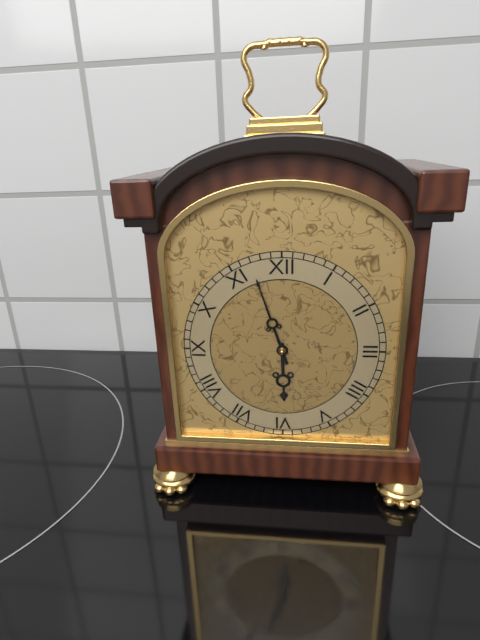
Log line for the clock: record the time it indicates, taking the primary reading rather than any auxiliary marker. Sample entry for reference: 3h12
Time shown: 5h57
